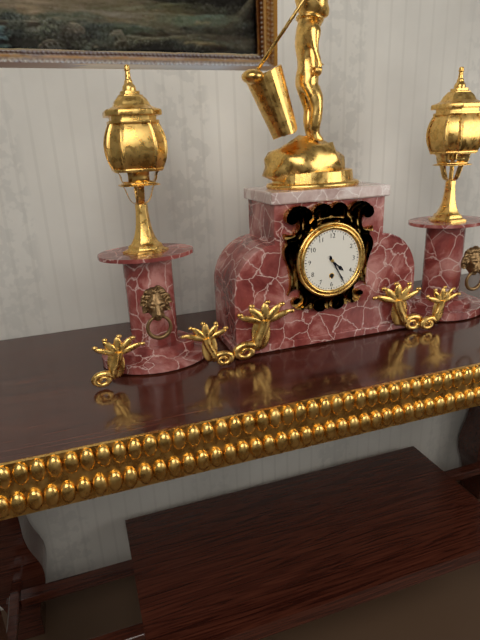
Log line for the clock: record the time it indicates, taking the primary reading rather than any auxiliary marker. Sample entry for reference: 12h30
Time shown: 4h25
